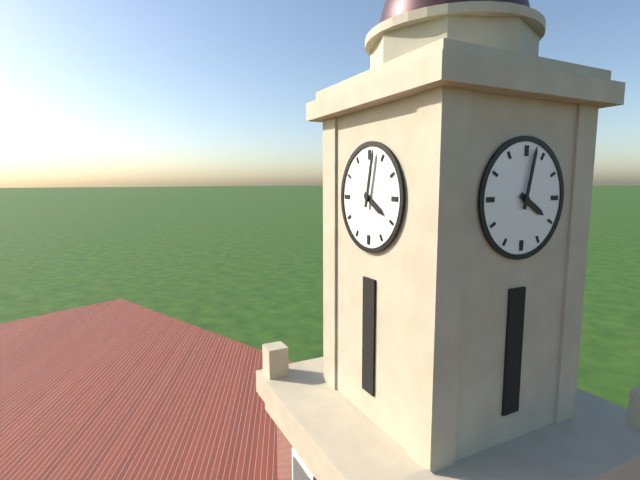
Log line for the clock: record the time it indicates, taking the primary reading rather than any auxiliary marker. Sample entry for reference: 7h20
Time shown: 4h02
